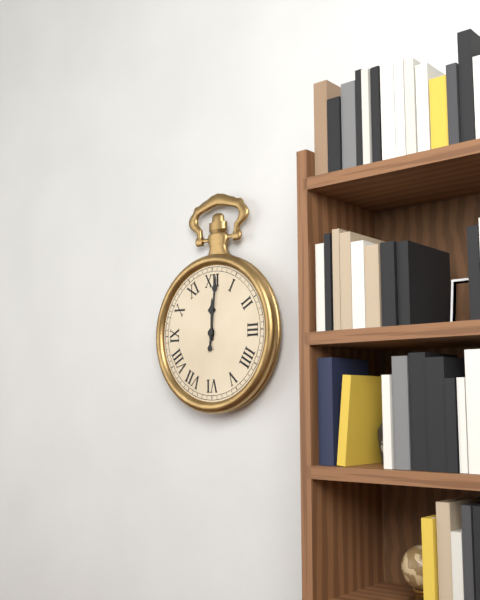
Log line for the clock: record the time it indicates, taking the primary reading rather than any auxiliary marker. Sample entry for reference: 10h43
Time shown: 12h01
